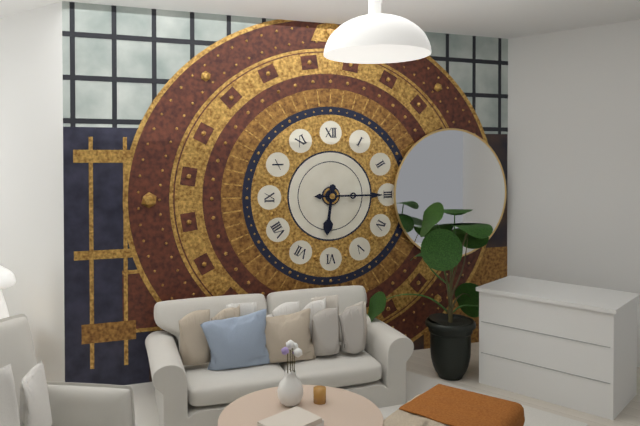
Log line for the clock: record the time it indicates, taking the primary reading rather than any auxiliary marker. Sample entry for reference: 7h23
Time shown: 6h15
